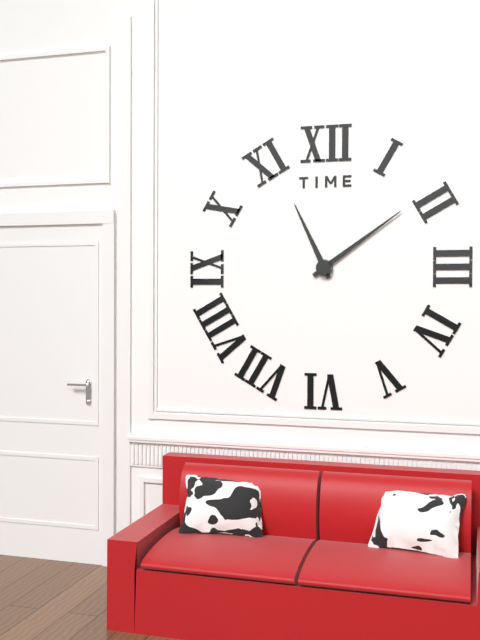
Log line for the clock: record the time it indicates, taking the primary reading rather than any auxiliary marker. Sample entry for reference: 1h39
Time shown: 11h09
